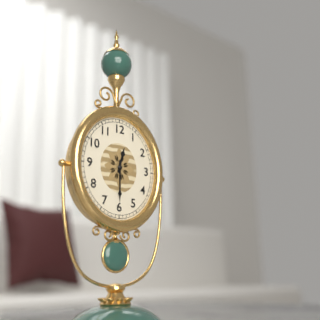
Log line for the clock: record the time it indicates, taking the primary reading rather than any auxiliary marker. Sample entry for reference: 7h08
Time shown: 12h30
